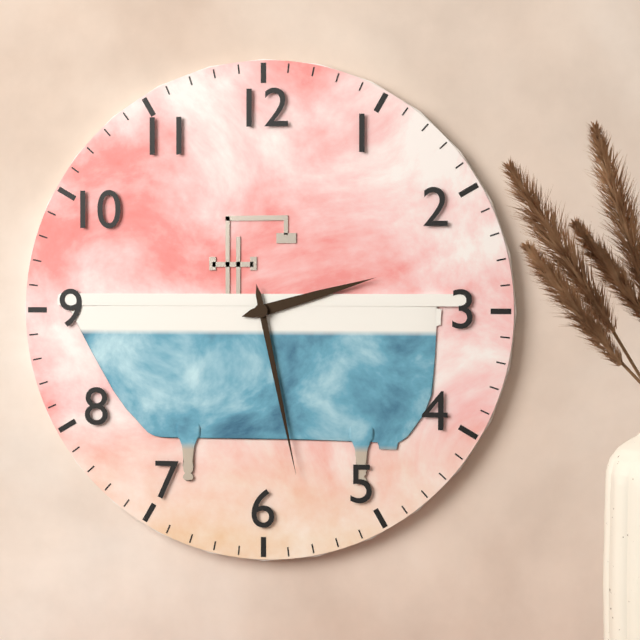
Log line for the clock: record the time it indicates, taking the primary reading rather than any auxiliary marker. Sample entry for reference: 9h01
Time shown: 2h28
